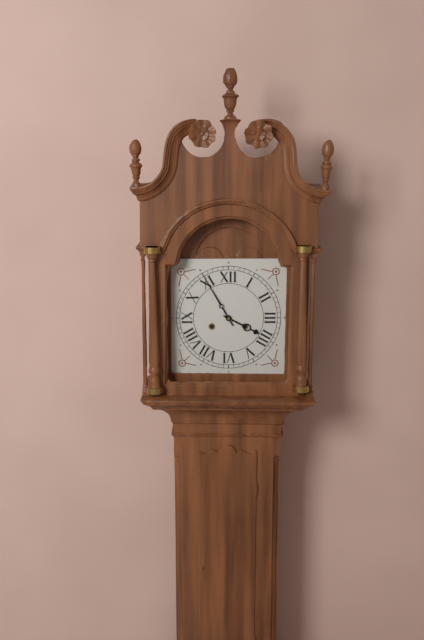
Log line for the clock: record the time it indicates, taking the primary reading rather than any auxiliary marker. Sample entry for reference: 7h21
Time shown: 3h55
